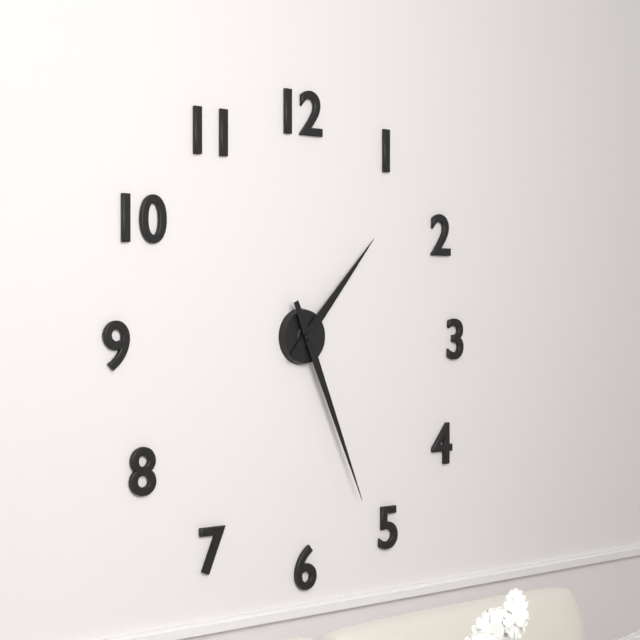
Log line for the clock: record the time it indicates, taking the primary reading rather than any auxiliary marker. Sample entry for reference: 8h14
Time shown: 1h26
